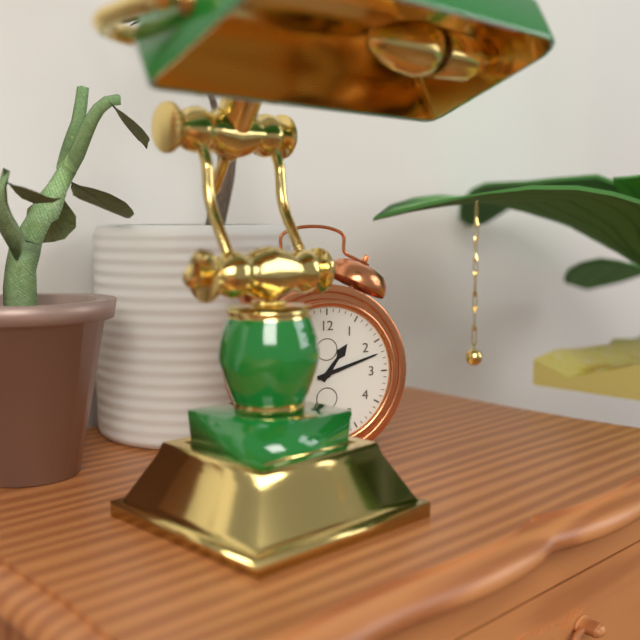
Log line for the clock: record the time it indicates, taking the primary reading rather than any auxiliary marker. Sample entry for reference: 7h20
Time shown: 1h12
